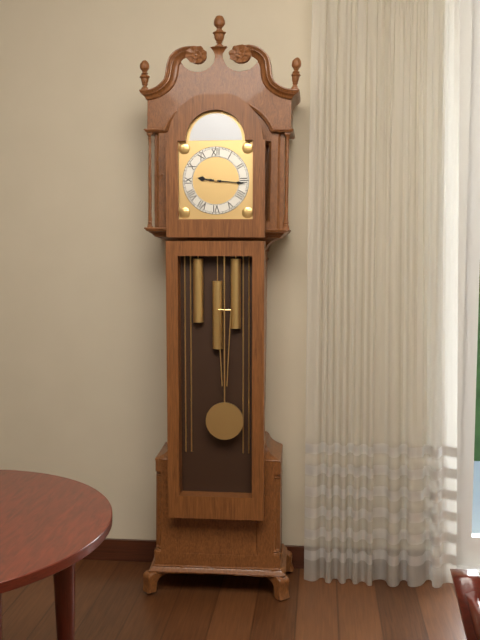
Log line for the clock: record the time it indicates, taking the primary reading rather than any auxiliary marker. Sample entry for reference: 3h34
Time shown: 9h16
